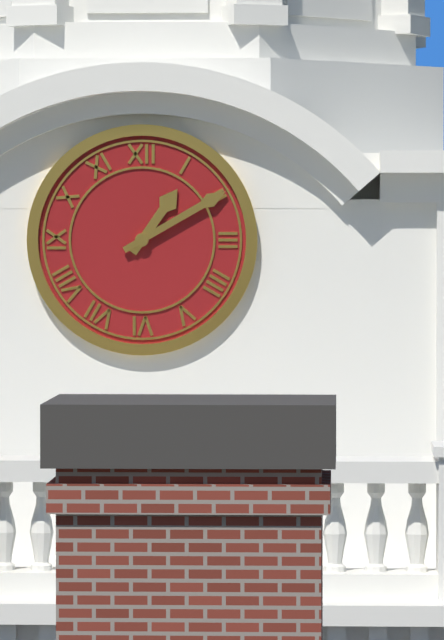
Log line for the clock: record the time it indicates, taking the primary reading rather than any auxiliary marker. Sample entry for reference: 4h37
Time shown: 1h10
